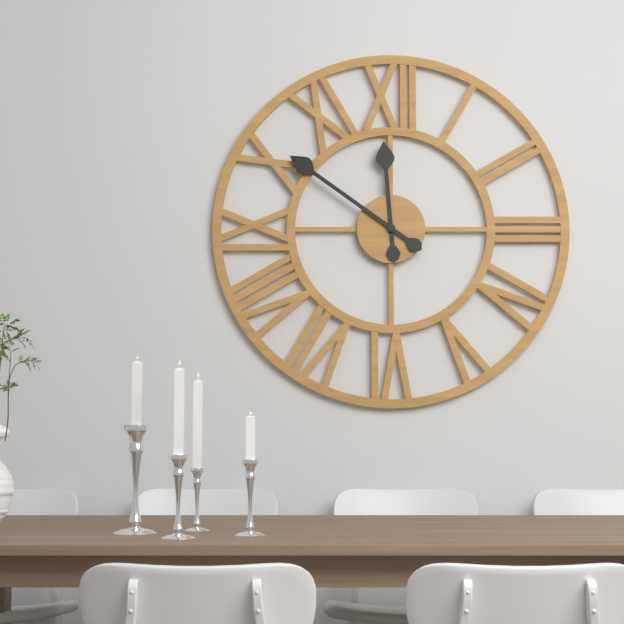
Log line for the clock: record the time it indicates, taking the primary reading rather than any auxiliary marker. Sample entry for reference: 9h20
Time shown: 11h51
